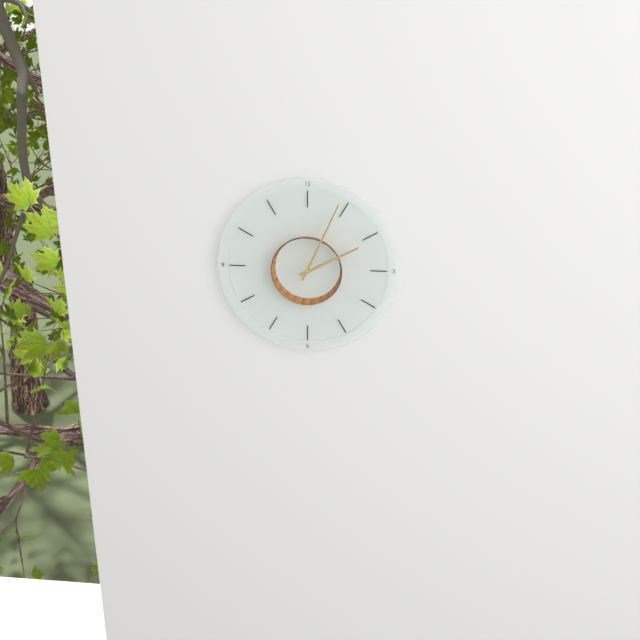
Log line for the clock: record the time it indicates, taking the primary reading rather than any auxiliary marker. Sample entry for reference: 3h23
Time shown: 2h04
